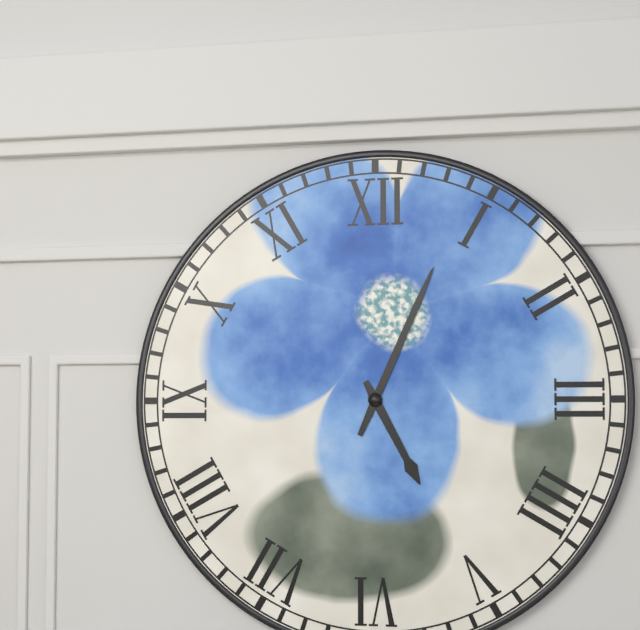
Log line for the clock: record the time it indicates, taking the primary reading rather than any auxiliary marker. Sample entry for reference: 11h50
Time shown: 5h04
